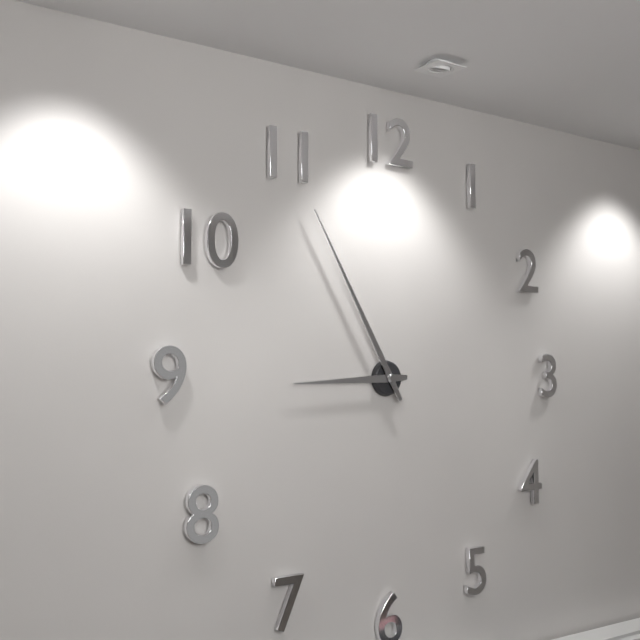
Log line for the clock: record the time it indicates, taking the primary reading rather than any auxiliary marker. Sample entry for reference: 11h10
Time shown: 8h55
